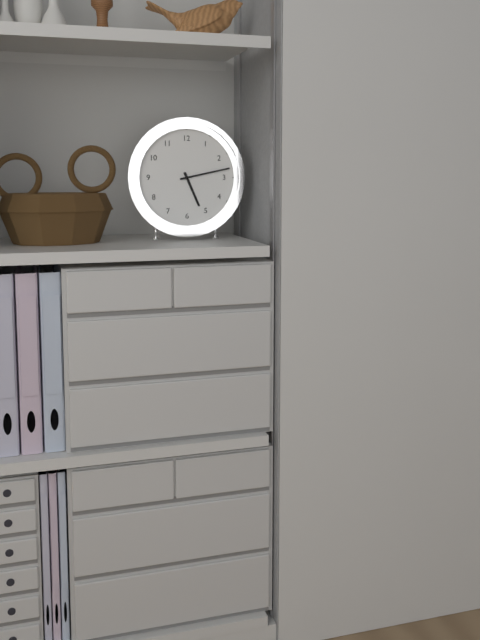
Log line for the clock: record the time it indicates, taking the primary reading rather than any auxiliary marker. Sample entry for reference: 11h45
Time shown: 5h13
